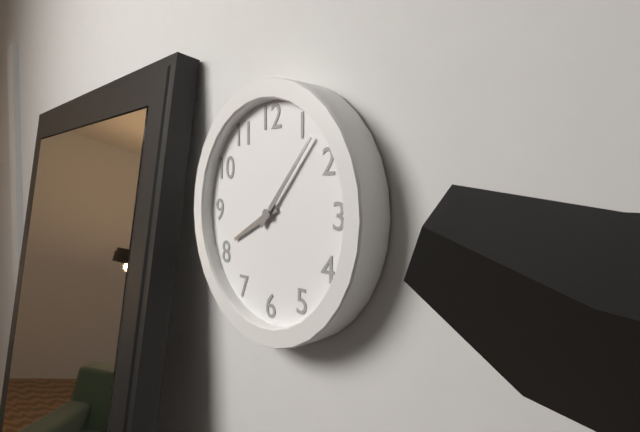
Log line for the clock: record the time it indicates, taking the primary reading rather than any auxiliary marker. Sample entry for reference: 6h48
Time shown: 8h07
